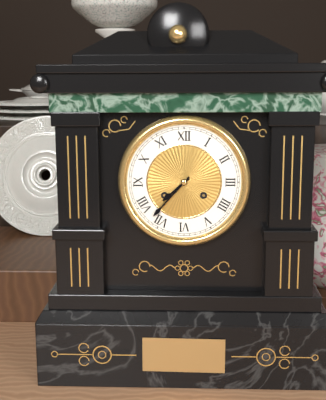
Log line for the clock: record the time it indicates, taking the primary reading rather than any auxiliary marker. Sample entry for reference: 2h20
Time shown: 7h37
